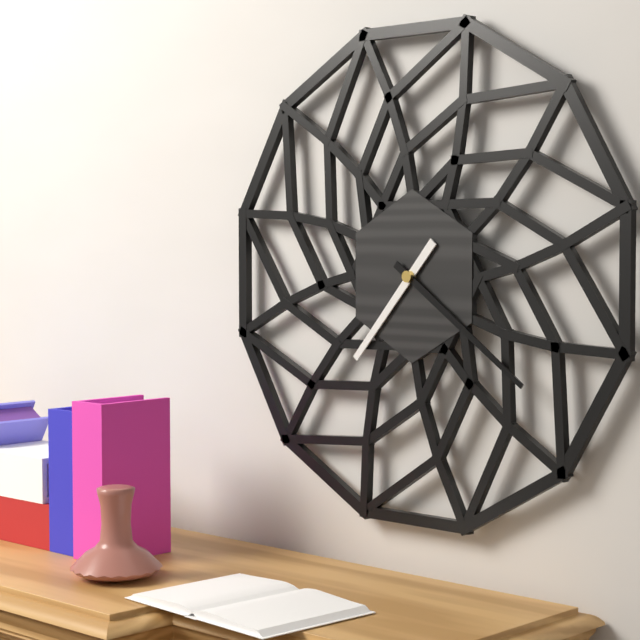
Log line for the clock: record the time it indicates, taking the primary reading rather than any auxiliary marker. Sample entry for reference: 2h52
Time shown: 7h21
